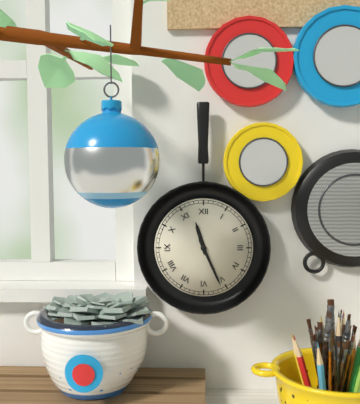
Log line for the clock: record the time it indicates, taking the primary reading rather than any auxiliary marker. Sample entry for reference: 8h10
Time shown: 11h26
